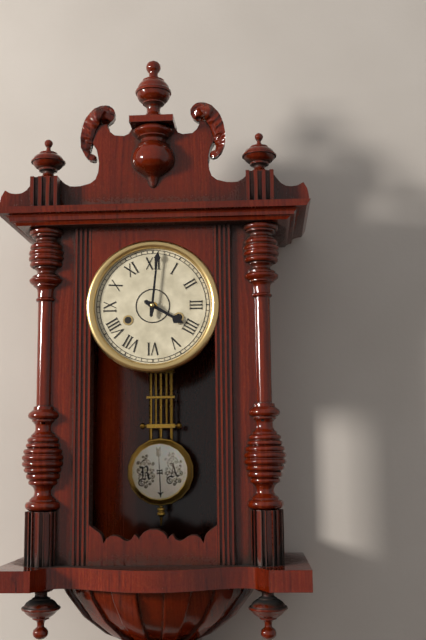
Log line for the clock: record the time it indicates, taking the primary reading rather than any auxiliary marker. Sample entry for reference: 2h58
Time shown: 4h01
